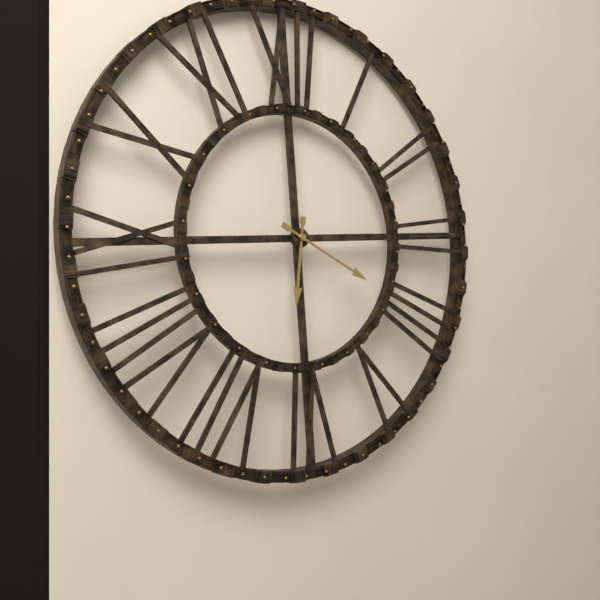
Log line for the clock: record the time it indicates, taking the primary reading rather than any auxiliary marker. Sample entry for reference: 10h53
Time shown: 6h20
